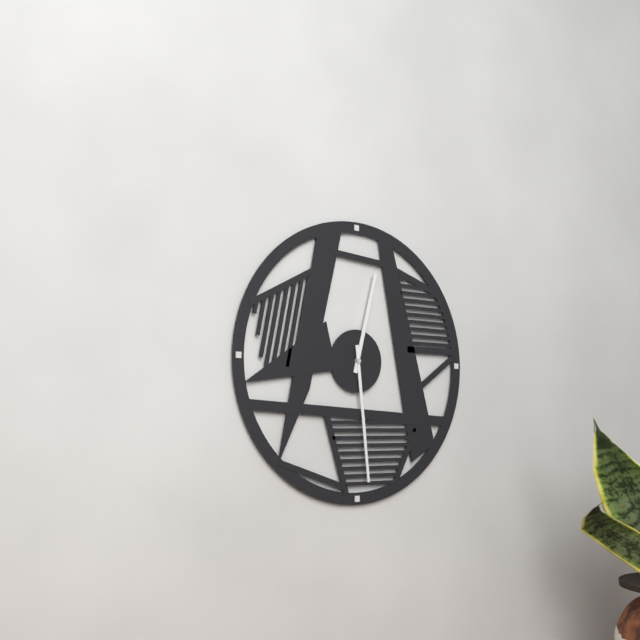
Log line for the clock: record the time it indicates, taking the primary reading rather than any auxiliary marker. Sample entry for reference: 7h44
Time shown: 12h29
